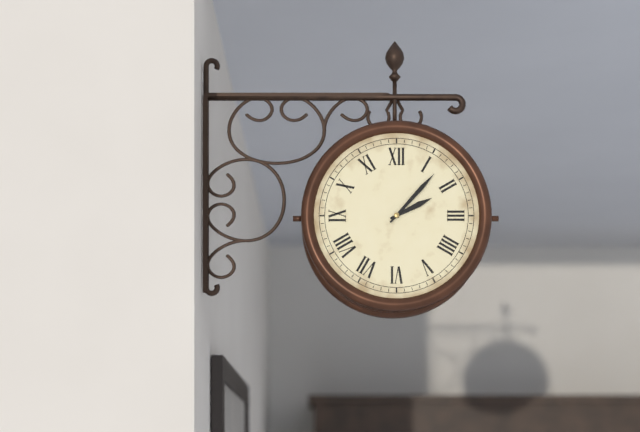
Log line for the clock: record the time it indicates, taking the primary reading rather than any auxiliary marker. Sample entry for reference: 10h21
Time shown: 2h07
